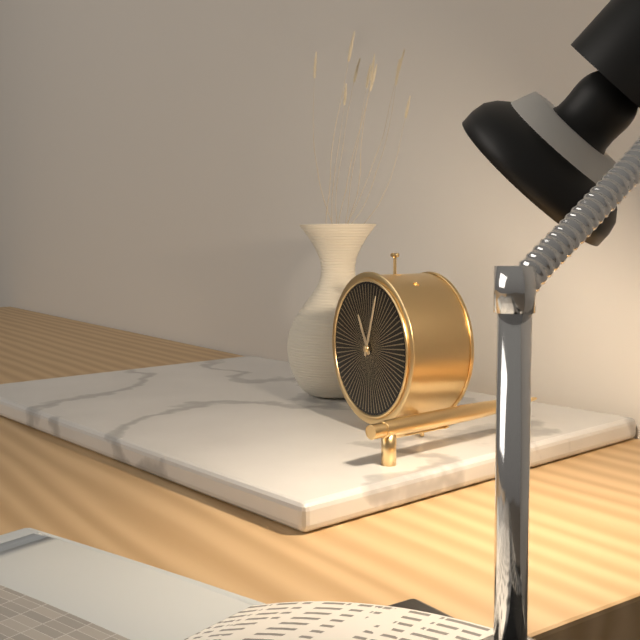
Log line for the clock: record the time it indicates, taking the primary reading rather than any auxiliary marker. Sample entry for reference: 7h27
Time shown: 11h03
